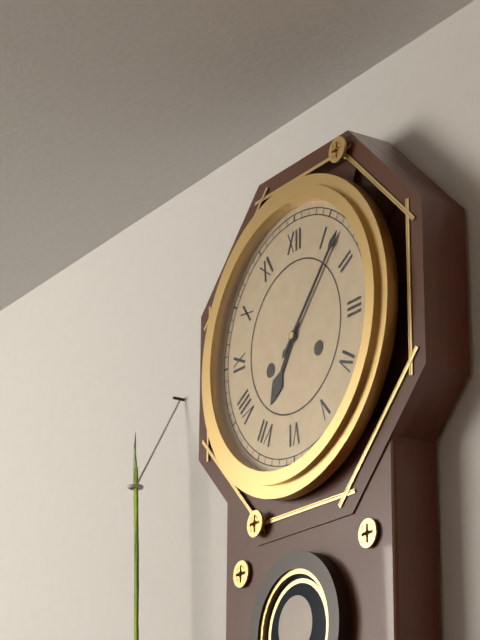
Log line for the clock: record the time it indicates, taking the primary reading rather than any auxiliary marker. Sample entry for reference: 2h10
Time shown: 7h07
